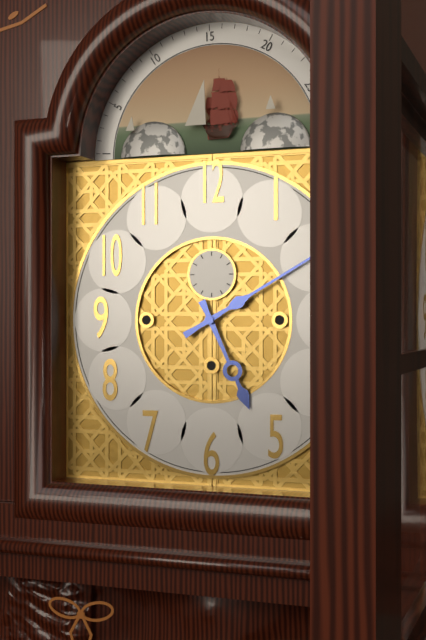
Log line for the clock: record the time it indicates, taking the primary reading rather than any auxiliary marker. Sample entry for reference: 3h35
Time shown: 5h10
